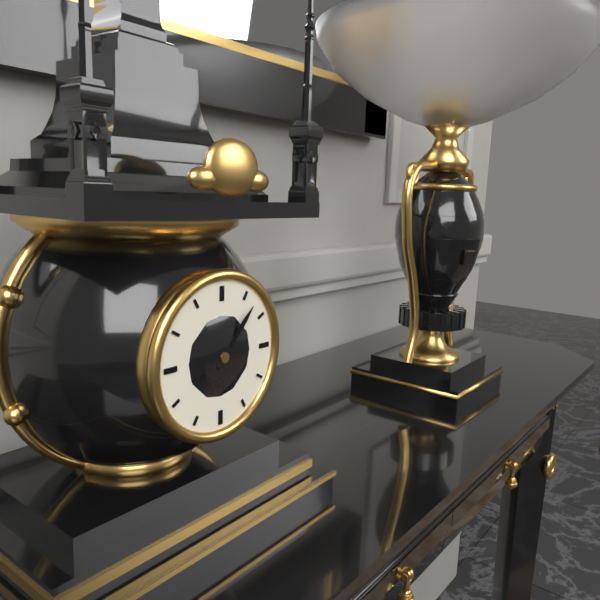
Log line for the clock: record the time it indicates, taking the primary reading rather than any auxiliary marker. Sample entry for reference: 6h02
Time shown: 8h07
